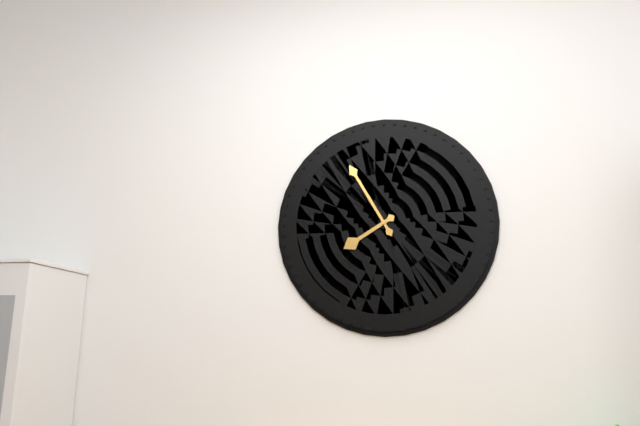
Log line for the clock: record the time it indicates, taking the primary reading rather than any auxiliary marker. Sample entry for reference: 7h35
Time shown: 7h55
